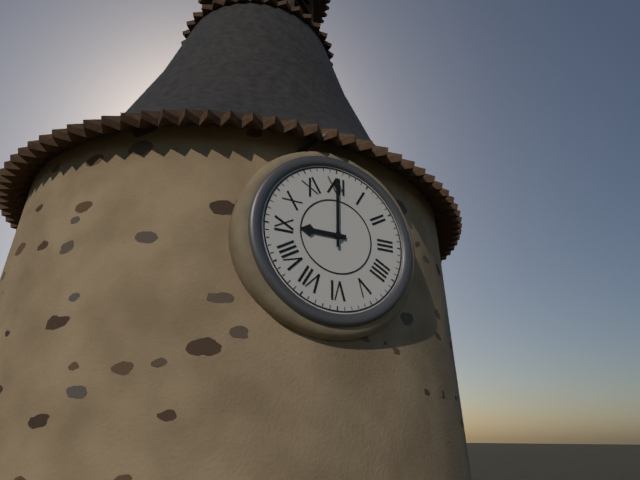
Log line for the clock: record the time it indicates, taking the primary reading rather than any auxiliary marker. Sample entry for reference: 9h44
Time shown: 9h00
